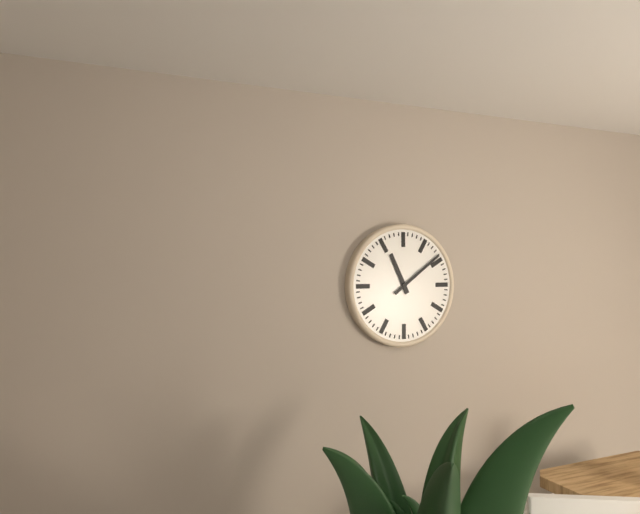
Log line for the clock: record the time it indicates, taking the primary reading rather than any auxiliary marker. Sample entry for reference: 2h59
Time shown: 11h09
